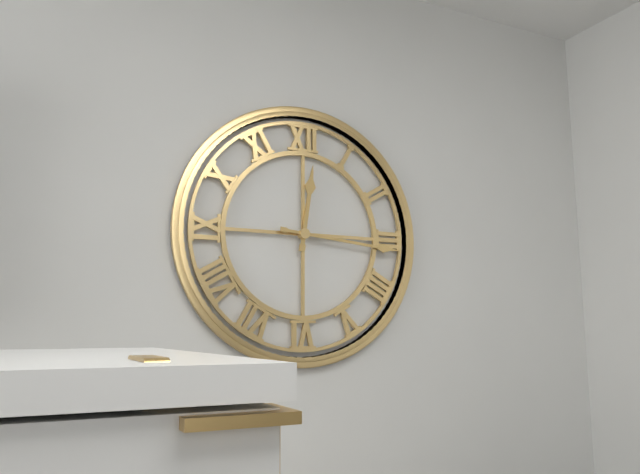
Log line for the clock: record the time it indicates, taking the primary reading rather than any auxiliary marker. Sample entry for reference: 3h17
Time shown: 12h16
